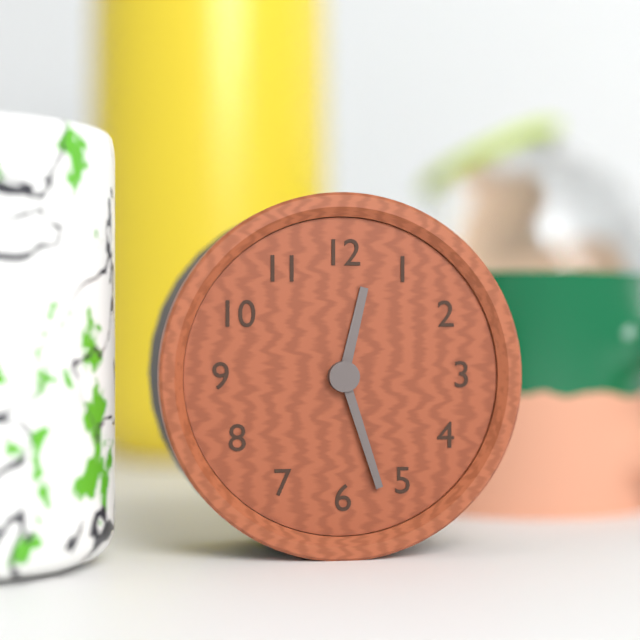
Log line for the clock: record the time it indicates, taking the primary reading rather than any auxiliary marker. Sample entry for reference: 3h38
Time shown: 12h27
